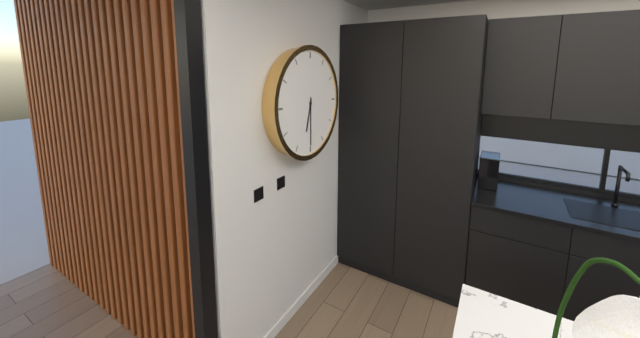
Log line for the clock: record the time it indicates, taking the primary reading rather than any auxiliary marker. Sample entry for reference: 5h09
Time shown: 6h30
